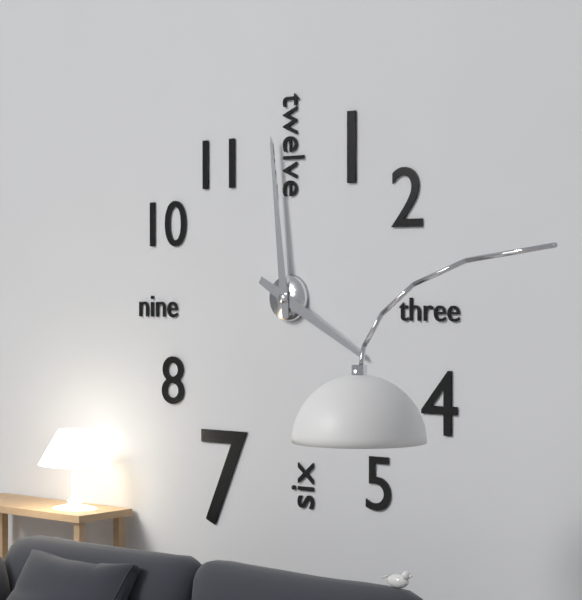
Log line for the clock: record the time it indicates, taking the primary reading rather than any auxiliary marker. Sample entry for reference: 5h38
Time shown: 3h59
